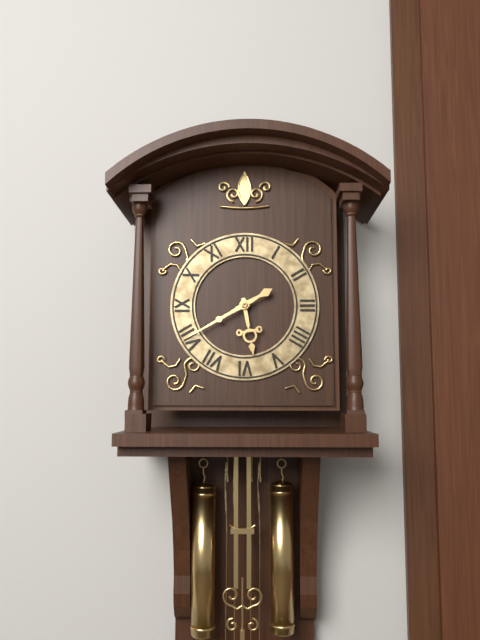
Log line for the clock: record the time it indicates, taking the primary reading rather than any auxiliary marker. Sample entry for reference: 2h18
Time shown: 5h40
